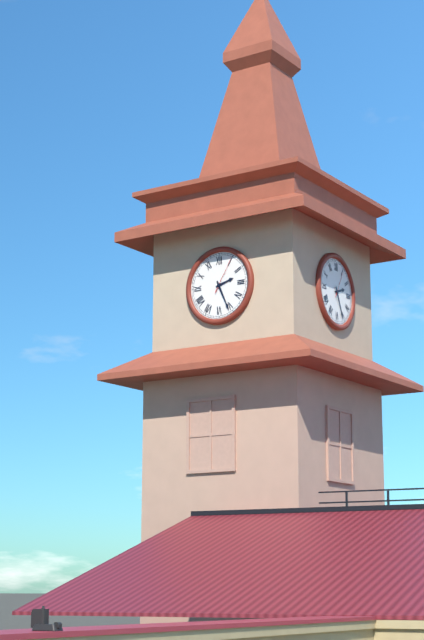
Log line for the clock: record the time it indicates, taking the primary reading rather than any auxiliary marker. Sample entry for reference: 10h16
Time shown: 2h26
